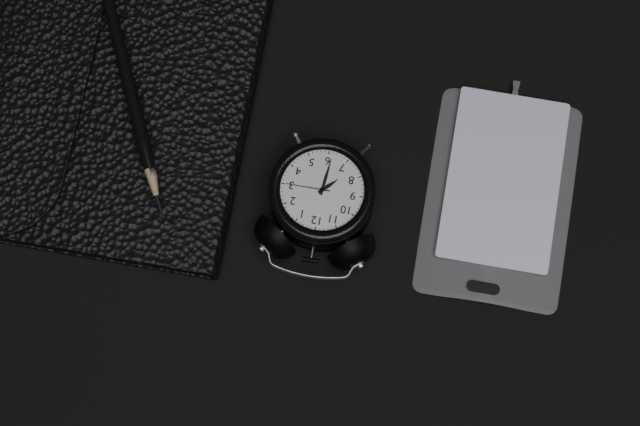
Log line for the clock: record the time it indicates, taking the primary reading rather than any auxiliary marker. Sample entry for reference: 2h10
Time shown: 7h31
